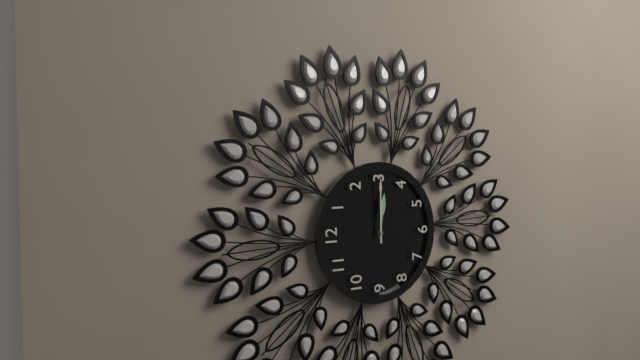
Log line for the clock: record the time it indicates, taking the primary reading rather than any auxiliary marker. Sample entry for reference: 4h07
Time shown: 3h15
